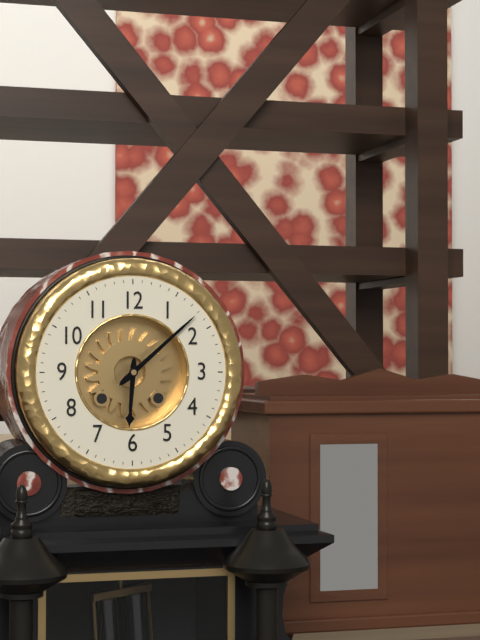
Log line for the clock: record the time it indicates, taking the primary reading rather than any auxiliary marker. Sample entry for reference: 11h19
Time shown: 6h08
